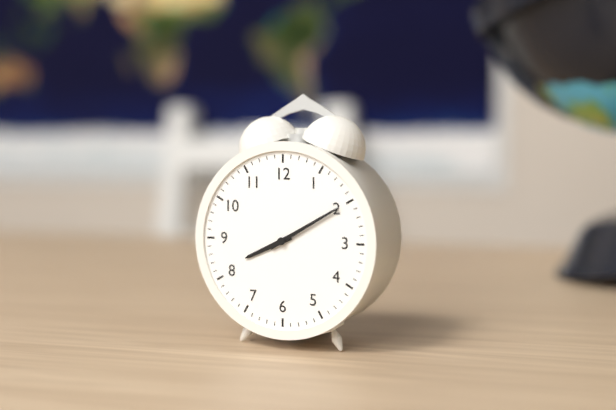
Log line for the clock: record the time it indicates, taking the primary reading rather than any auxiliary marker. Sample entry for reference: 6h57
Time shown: 8h10
